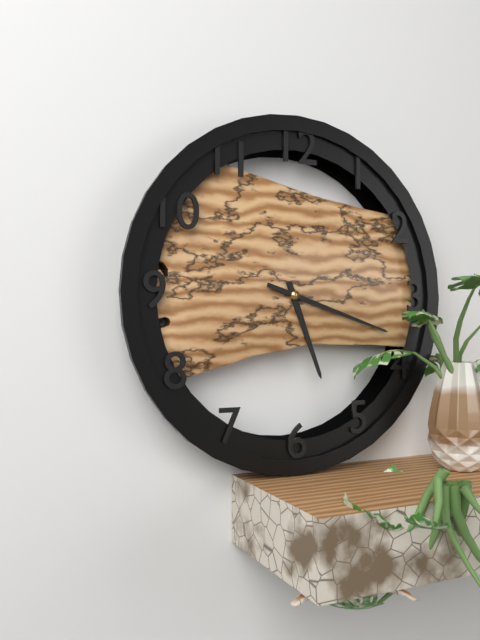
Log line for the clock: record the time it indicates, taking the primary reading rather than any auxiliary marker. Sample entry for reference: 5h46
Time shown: 5h18
